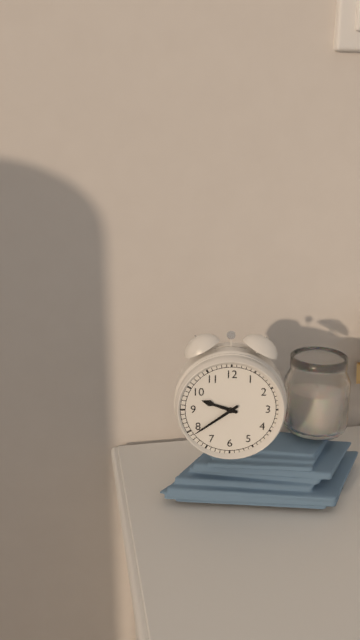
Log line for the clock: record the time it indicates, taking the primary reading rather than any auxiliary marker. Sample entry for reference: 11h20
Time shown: 9h39
